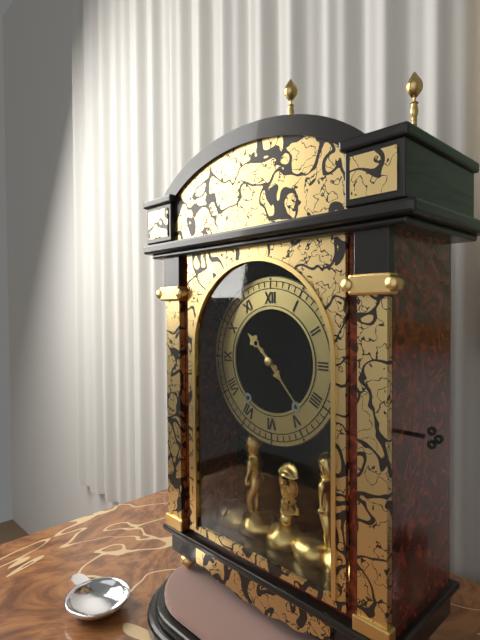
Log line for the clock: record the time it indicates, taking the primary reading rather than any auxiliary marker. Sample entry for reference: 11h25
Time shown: 10h23
